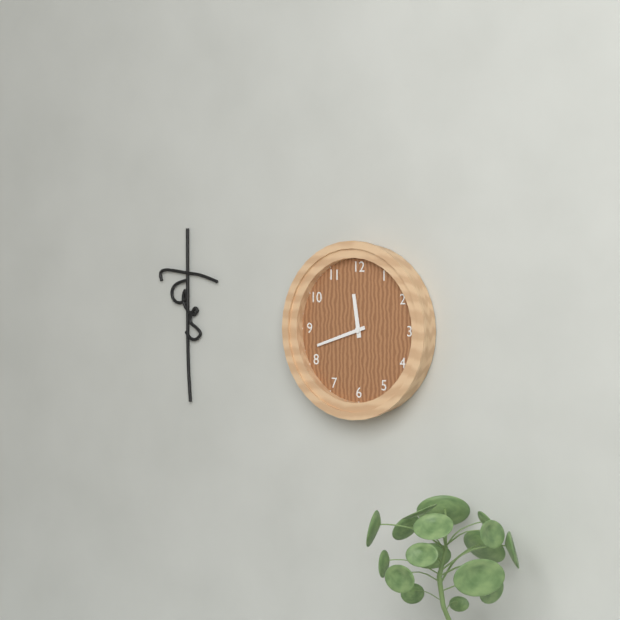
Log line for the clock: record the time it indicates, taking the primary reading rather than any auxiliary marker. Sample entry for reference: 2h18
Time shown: 11h42
